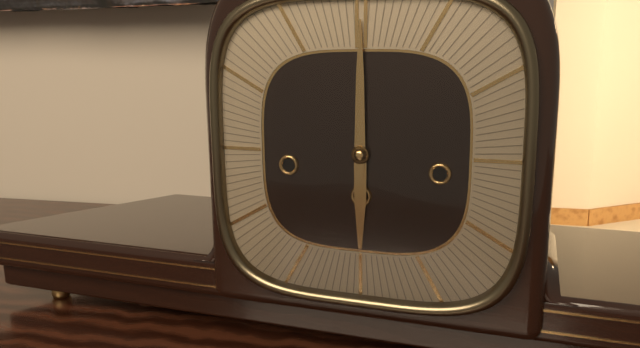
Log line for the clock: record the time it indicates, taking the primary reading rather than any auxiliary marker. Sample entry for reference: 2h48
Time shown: 6h00
